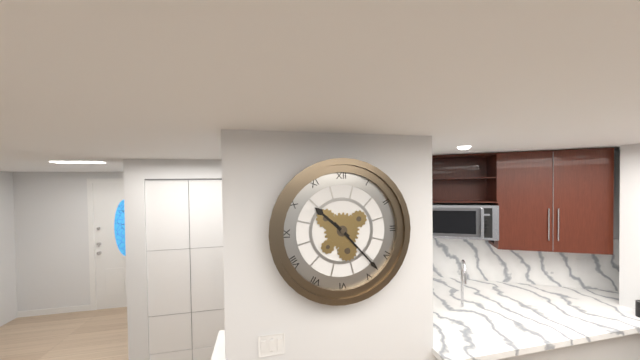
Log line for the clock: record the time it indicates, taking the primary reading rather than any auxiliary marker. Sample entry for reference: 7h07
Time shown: 10h23
